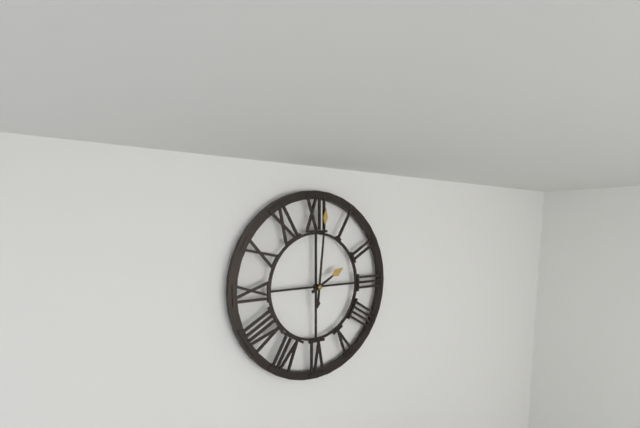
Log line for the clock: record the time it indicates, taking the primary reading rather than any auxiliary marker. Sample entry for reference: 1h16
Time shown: 2h01
